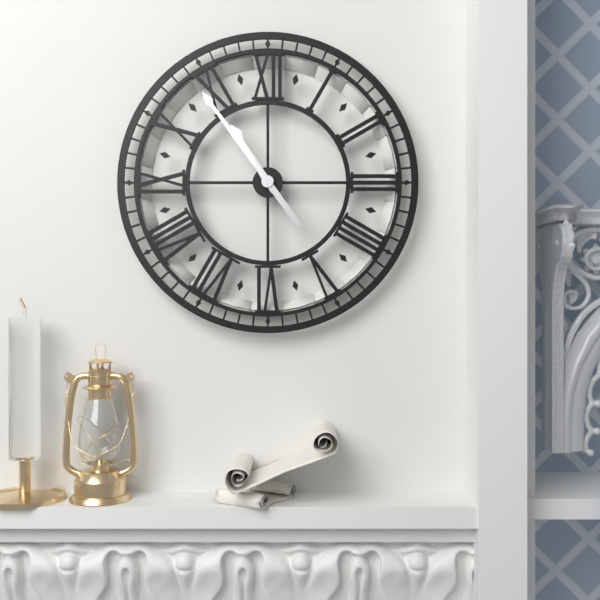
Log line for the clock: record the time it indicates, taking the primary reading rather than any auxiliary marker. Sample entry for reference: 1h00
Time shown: 10h54
